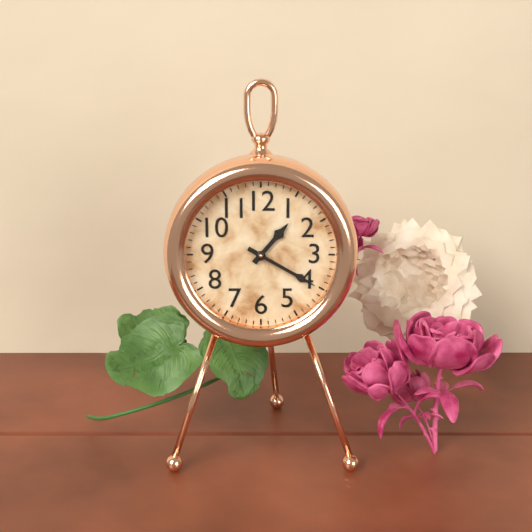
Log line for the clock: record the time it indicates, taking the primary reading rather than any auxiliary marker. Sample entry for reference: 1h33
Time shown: 1h20
